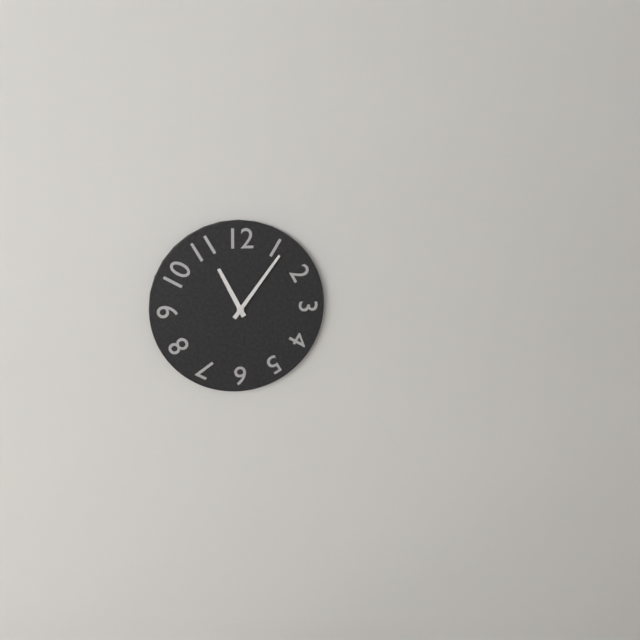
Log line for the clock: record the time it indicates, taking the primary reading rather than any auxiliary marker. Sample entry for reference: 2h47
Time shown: 11h06
